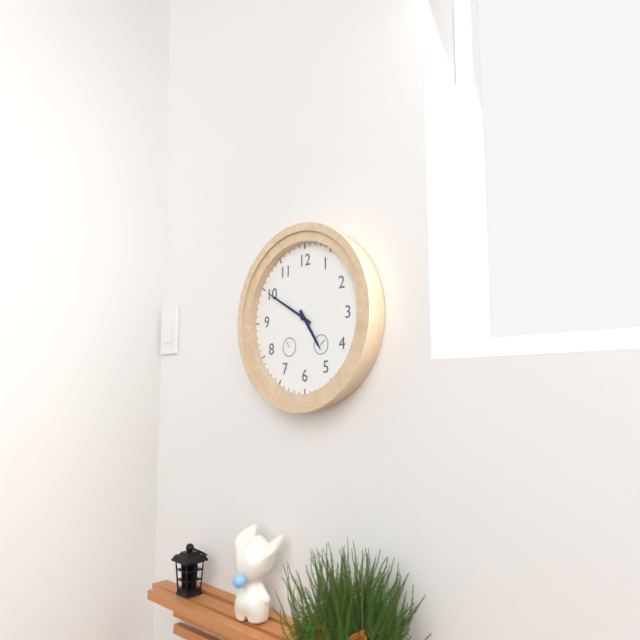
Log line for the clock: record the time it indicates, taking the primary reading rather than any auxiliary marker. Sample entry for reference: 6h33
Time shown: 4h50
